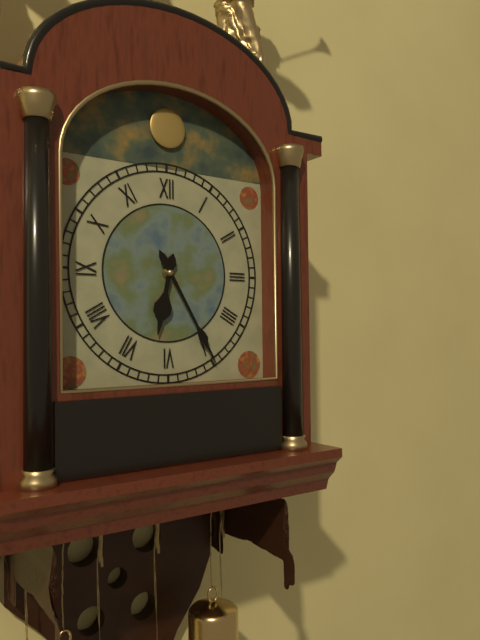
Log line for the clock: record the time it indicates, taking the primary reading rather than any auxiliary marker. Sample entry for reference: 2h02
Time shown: 6h25
